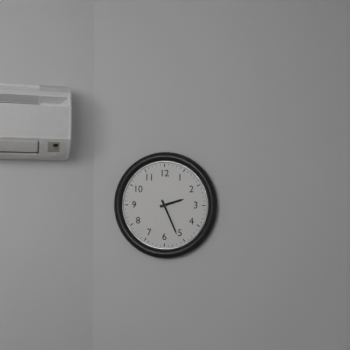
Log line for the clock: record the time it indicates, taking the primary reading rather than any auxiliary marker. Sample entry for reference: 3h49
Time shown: 2h26
